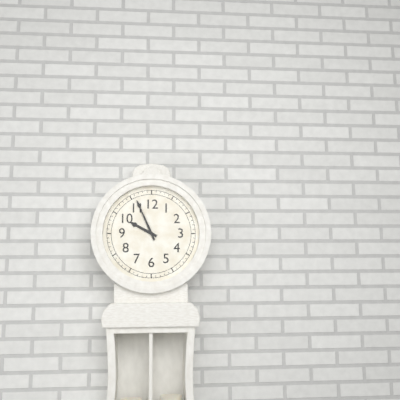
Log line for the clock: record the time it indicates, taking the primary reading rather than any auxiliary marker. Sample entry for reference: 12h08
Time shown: 9h56
